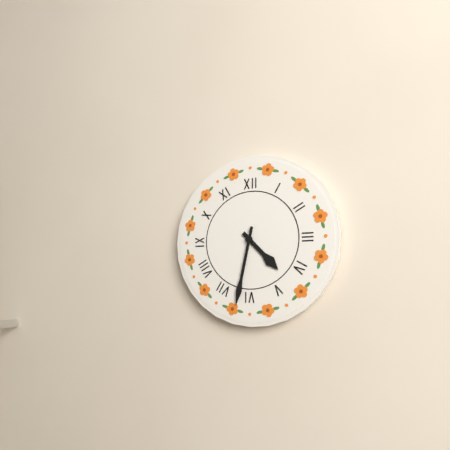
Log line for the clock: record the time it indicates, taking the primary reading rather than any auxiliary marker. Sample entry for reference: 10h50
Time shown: 4h32
